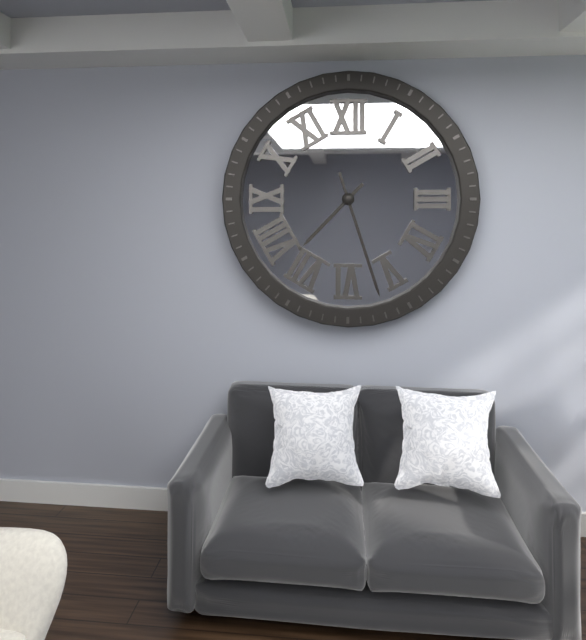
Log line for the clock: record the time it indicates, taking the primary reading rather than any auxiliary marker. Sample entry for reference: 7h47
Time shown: 7h27
